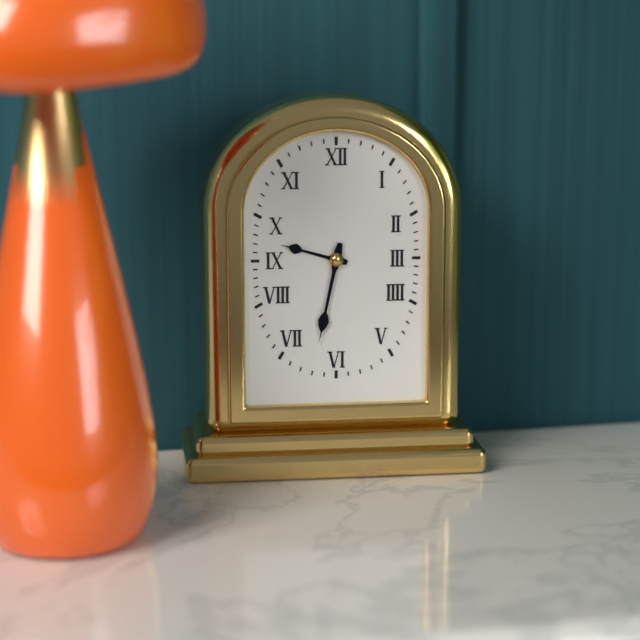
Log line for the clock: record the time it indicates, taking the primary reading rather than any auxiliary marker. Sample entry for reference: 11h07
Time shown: 9h32
